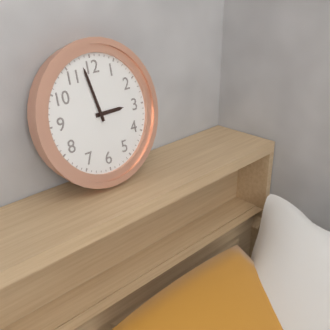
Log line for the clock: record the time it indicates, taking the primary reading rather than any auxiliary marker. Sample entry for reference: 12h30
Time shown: 2h58
